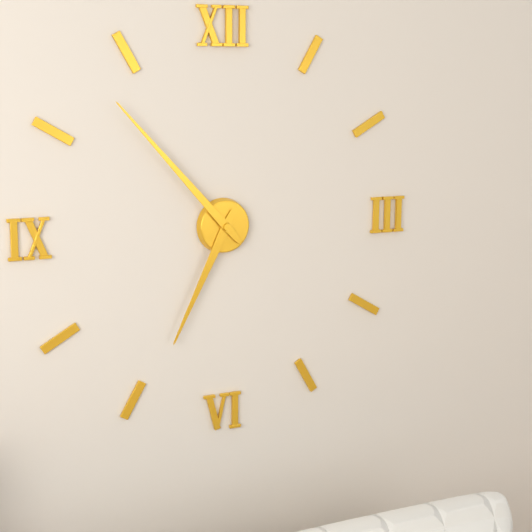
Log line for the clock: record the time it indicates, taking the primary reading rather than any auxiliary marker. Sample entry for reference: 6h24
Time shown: 6h53
